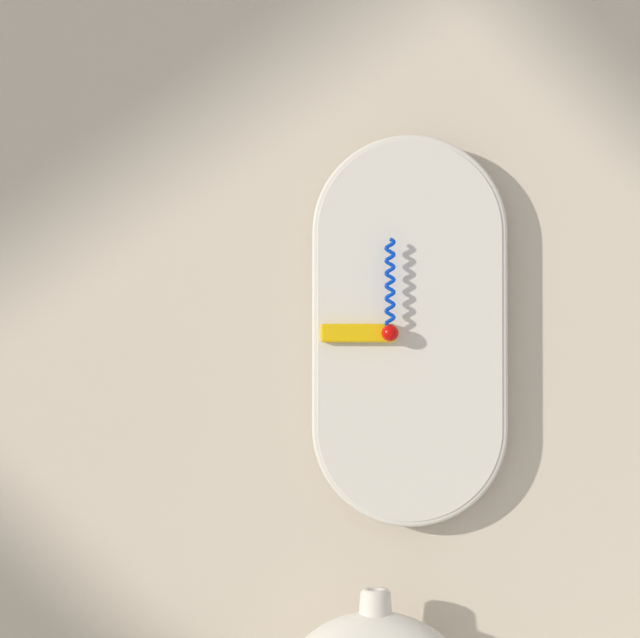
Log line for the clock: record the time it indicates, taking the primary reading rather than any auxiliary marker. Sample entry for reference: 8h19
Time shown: 9h00
